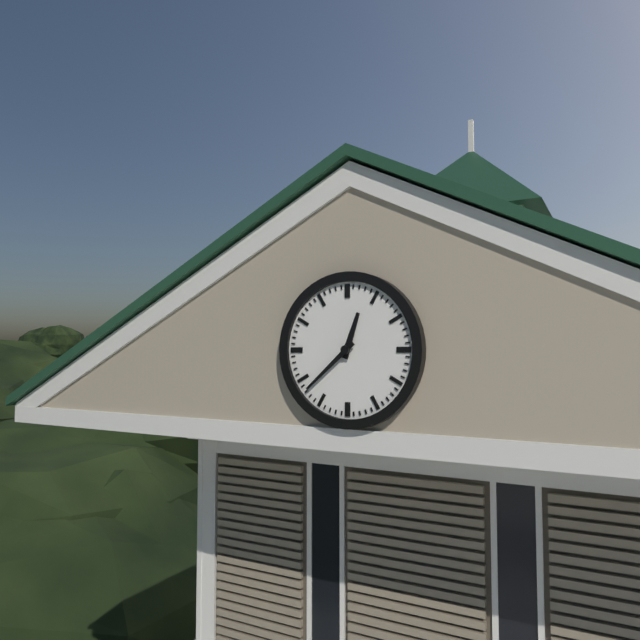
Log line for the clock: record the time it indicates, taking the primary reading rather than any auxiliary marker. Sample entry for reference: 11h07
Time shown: 12h38
